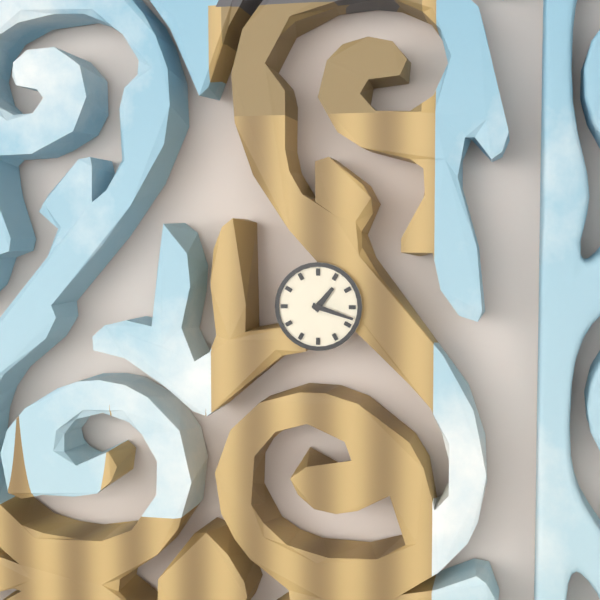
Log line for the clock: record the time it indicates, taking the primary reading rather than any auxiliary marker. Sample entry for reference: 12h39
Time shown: 1h18
